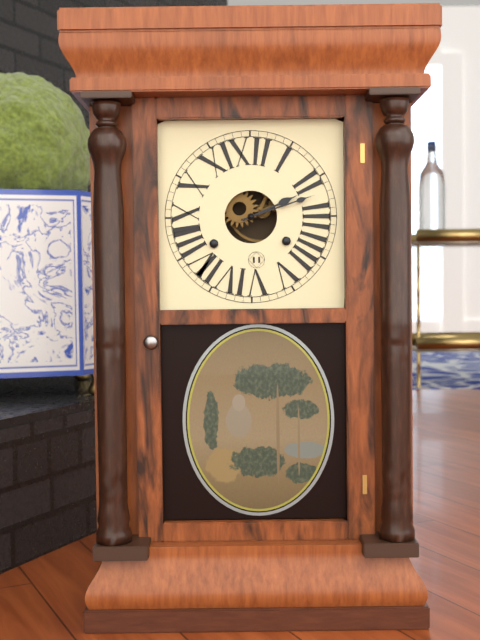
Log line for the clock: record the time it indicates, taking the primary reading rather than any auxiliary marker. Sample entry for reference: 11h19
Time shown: 2h12
